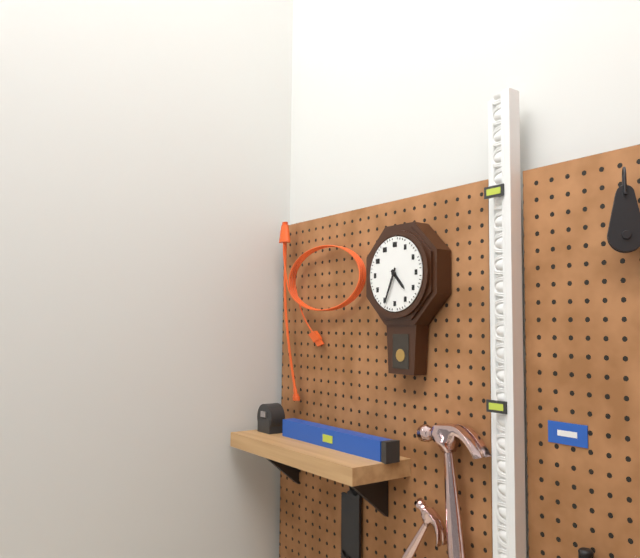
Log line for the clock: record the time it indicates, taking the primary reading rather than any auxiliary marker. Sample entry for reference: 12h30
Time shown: 4h34
